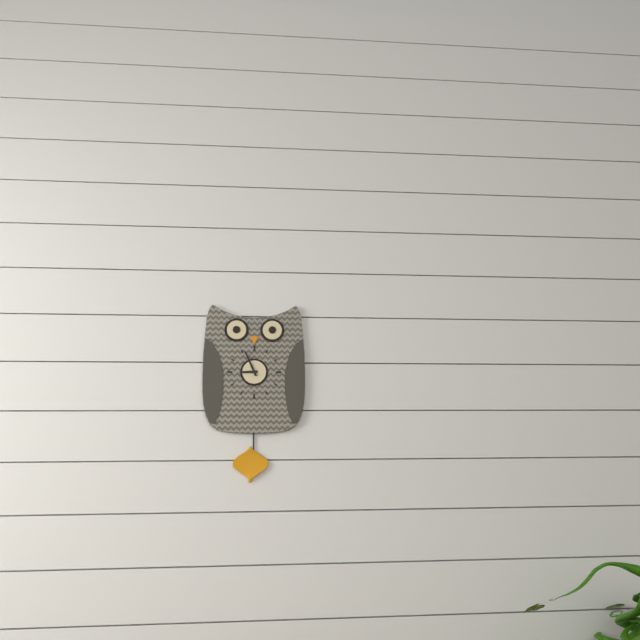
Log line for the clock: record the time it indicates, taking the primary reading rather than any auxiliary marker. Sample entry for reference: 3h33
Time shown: 8h56
